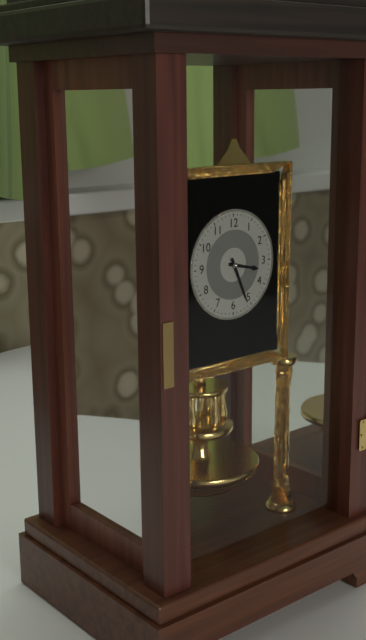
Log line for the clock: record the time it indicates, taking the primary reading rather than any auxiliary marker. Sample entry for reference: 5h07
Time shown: 3h26
